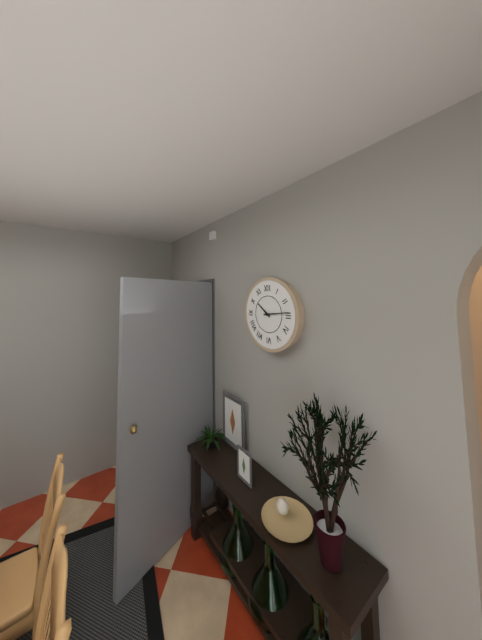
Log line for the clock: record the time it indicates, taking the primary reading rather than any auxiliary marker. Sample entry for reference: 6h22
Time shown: 10h14
